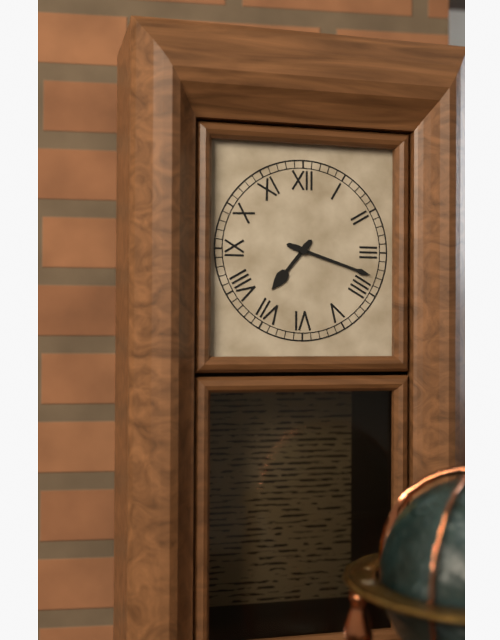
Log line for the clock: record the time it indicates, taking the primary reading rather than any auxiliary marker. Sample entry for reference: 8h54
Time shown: 7h18
